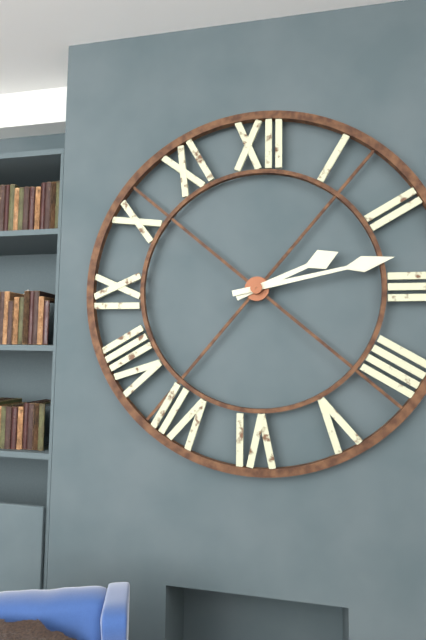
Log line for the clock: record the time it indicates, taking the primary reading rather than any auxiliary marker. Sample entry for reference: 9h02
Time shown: 2h13
